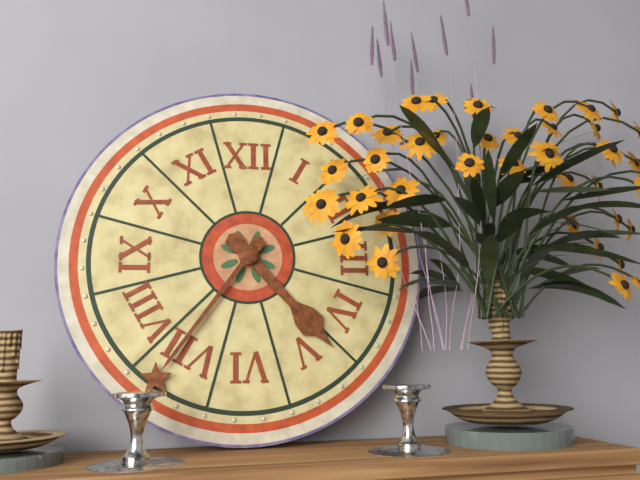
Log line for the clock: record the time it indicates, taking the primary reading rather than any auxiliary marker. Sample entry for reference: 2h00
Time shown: 4h36
